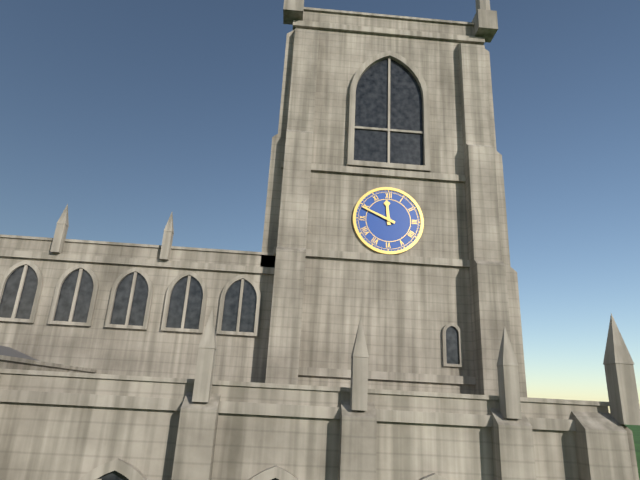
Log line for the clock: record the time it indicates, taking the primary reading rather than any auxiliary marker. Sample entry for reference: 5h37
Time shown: 11h49
